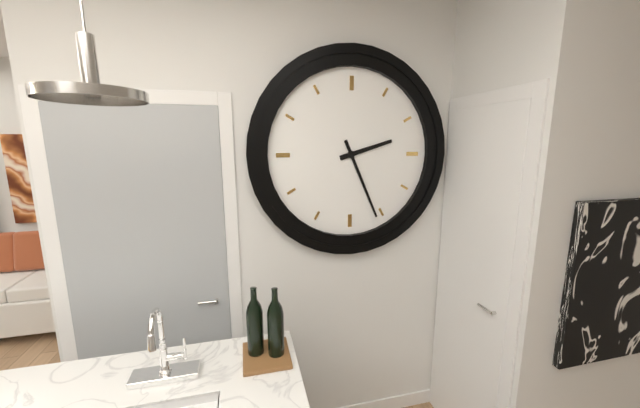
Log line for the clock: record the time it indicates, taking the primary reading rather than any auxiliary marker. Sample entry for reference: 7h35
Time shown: 2h26
